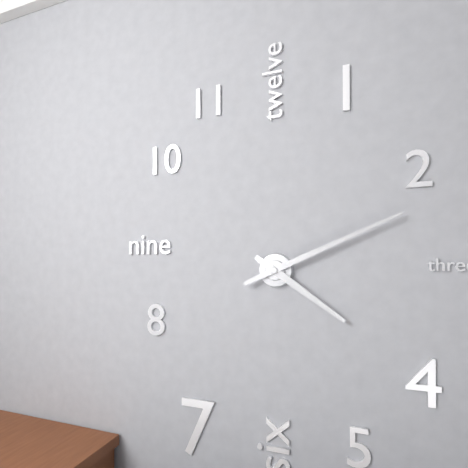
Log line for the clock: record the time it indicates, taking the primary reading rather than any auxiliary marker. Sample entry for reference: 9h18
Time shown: 4h11
